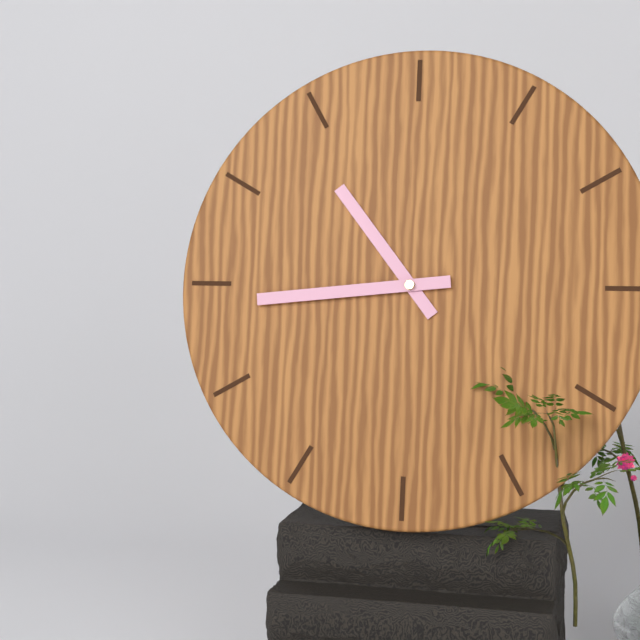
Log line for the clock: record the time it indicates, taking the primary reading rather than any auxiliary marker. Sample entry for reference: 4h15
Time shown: 10h44
